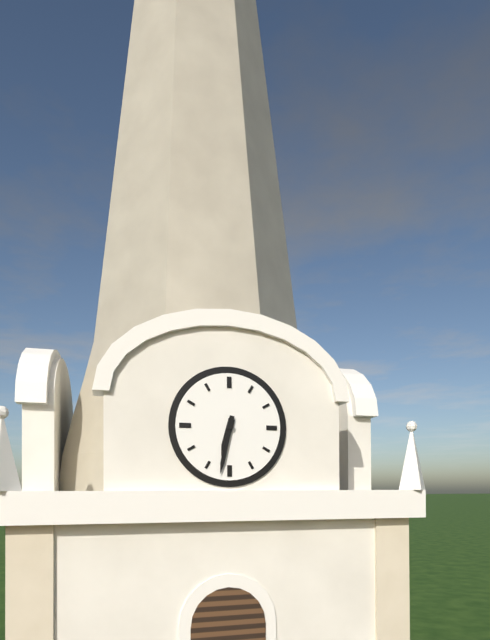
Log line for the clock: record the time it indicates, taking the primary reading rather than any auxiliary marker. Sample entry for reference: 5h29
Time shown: 6h32
